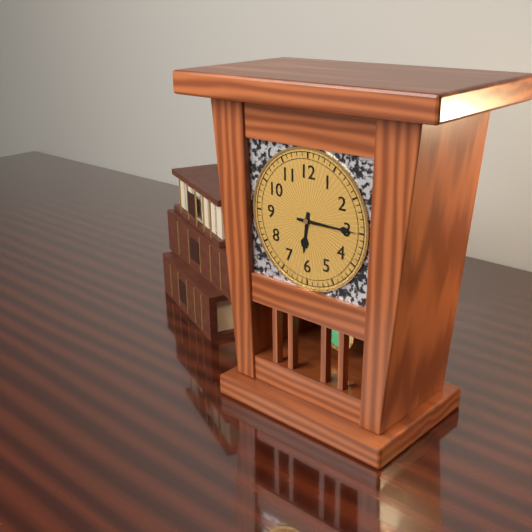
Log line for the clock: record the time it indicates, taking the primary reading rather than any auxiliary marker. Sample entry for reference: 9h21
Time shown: 6h15
